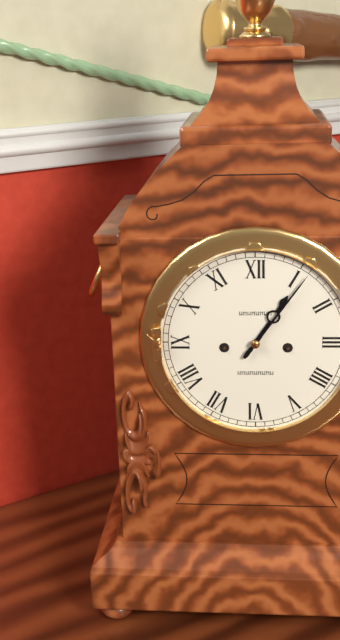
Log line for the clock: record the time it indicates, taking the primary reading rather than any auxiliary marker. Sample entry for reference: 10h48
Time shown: 1h06
